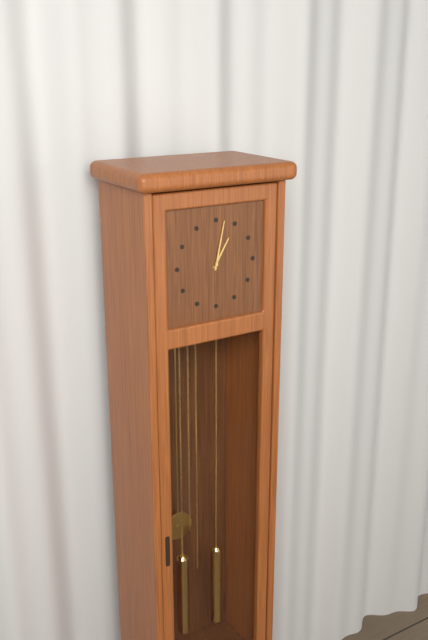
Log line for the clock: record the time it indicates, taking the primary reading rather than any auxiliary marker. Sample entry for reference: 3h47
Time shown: 1h02
